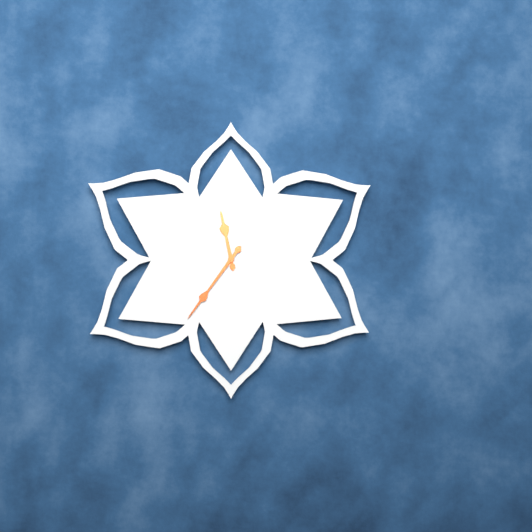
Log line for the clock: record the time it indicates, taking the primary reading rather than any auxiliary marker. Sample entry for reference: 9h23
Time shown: 11h36
